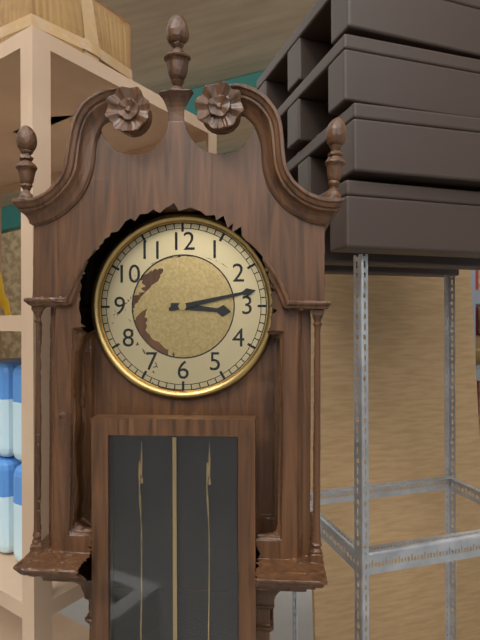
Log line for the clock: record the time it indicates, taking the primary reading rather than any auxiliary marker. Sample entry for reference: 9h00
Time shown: 3h13
